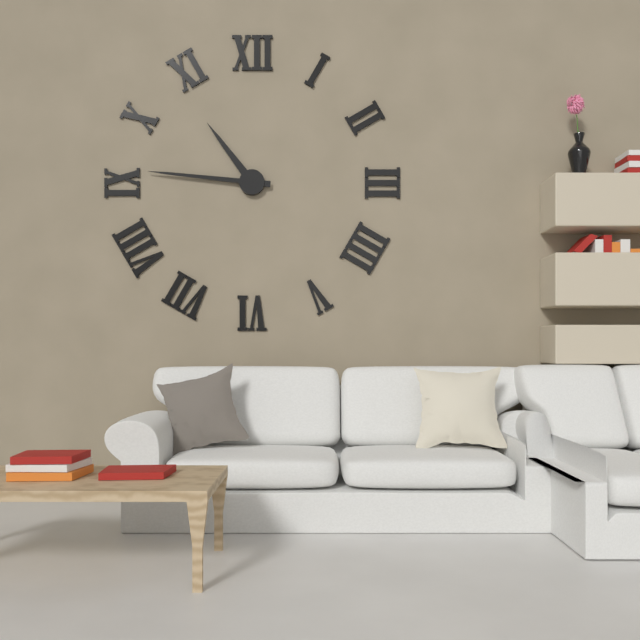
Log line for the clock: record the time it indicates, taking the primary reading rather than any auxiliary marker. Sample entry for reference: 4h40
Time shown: 10h46
